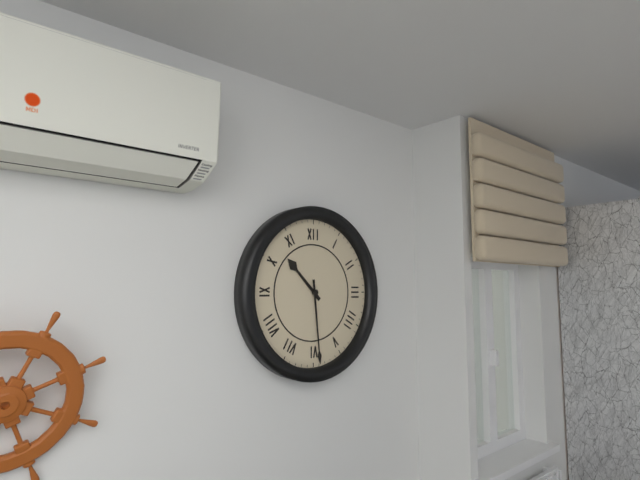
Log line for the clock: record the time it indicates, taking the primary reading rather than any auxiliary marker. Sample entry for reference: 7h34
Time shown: 10h29
